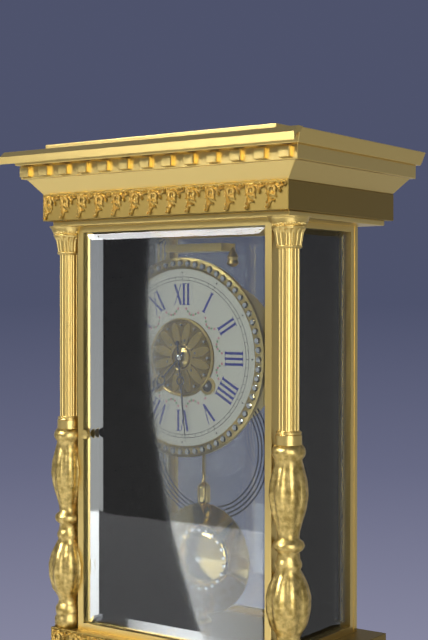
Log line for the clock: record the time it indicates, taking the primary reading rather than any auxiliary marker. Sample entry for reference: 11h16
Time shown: 7h29
